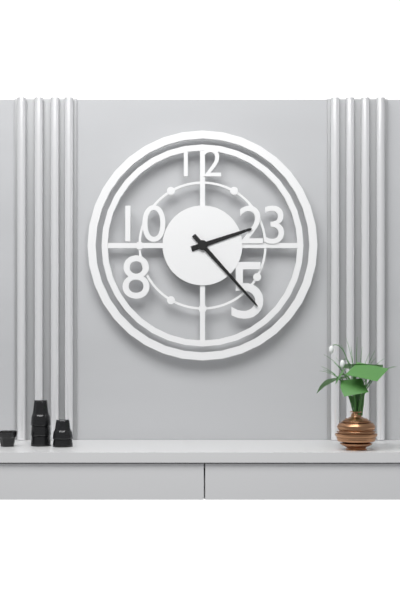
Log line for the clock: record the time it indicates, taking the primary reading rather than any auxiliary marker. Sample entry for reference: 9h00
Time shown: 2h23
